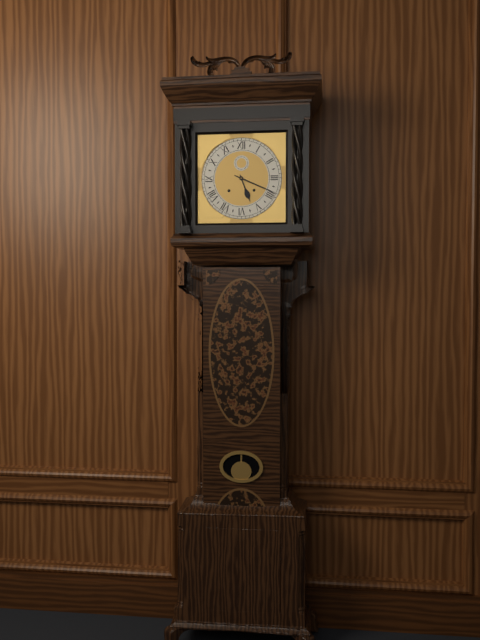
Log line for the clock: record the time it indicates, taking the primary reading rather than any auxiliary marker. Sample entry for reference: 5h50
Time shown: 5h19
